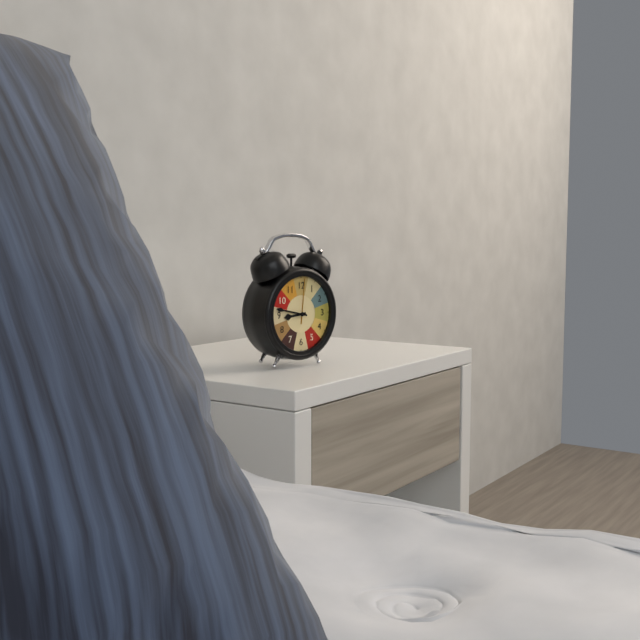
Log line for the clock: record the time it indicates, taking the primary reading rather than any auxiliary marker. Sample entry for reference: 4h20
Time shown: 8h47
